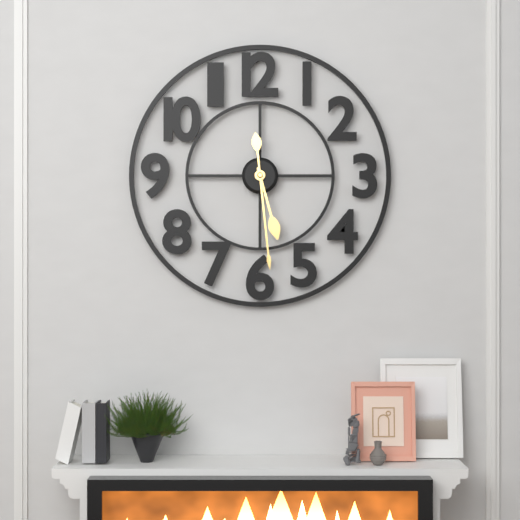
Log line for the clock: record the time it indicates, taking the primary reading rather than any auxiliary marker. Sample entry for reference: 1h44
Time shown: 5h29
